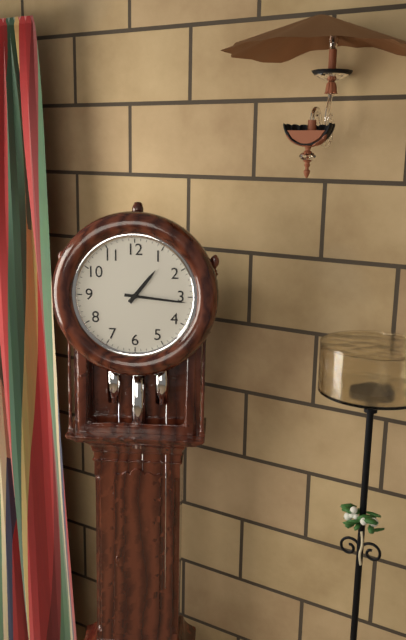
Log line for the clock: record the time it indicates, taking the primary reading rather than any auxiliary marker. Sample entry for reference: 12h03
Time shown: 1h16
